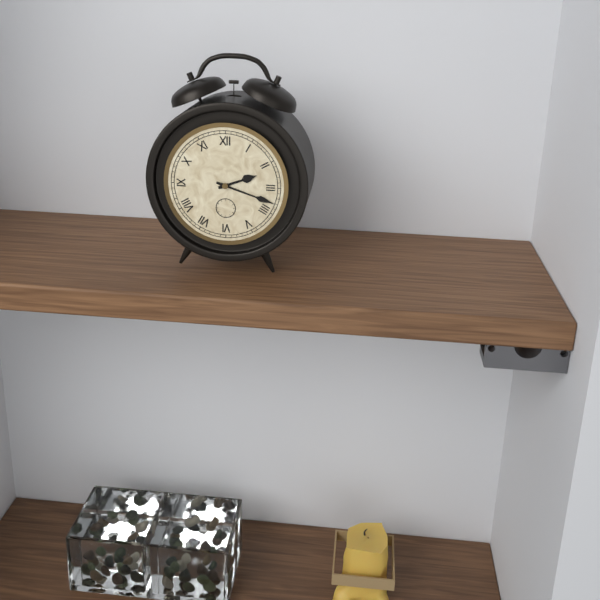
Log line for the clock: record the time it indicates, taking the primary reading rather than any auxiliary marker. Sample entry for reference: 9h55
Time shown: 2h18
